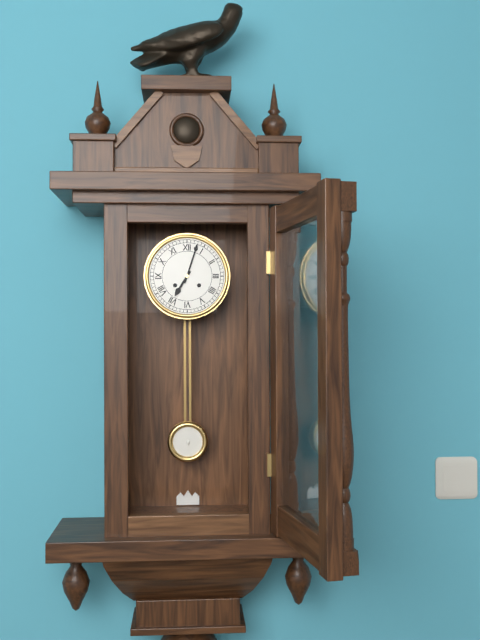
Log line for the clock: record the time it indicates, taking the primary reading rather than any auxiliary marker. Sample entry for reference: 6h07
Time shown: 7h03
